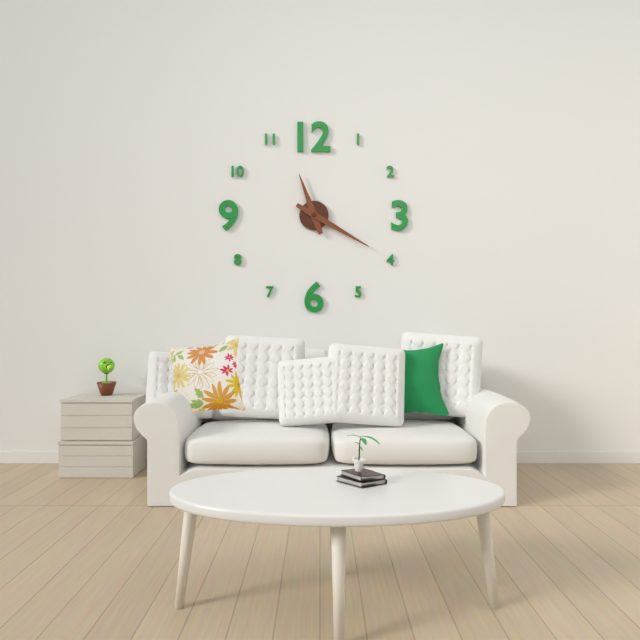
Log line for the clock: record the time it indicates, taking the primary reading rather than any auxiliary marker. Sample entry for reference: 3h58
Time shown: 11h20
